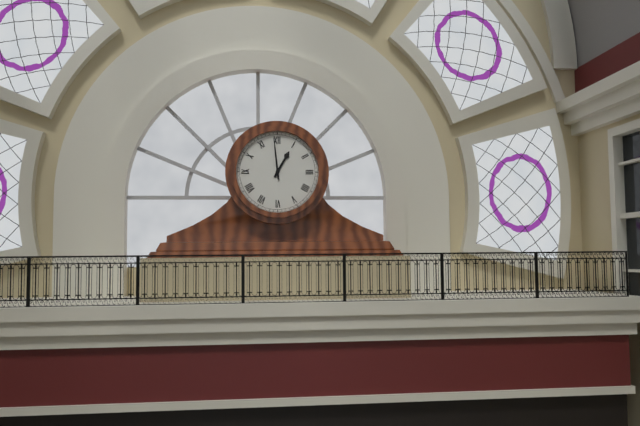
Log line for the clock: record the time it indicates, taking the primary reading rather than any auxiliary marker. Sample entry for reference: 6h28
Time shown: 12h59
